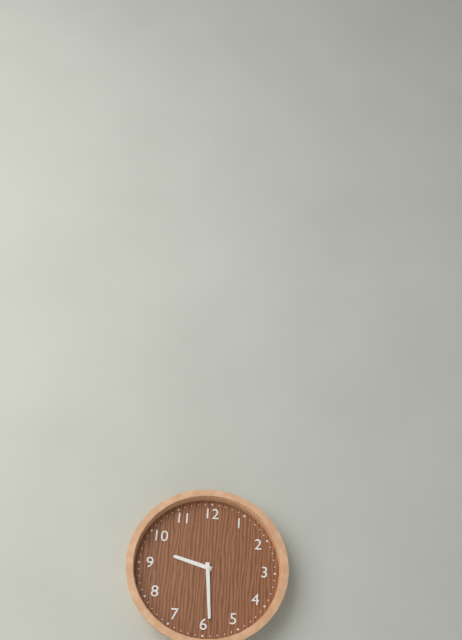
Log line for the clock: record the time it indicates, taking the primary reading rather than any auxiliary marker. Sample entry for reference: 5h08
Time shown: 9h29
